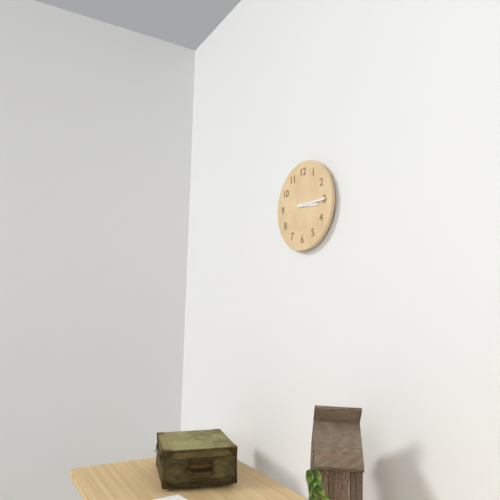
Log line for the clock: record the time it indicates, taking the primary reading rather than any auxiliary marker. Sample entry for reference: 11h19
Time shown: 3h15
